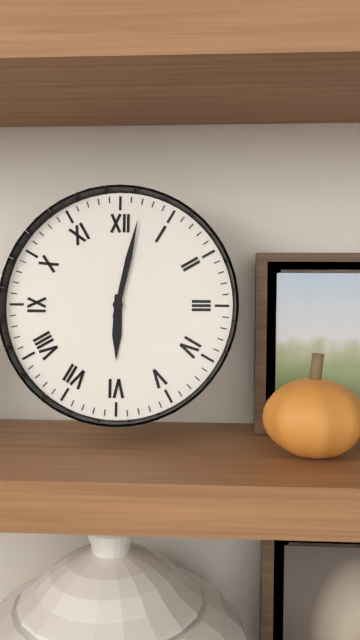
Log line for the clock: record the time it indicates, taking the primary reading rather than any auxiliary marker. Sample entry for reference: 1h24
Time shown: 6h02
